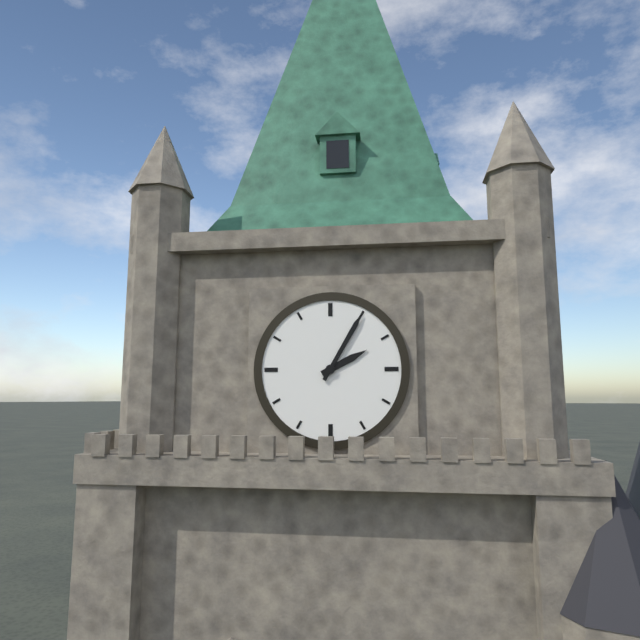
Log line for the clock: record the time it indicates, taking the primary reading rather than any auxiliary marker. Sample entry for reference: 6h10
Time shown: 2h05
